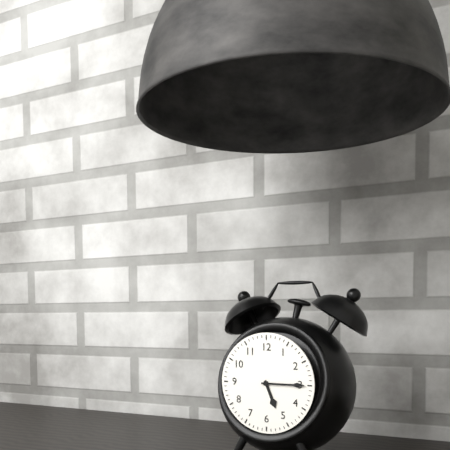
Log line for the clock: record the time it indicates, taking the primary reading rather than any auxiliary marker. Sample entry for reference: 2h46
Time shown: 5h15
